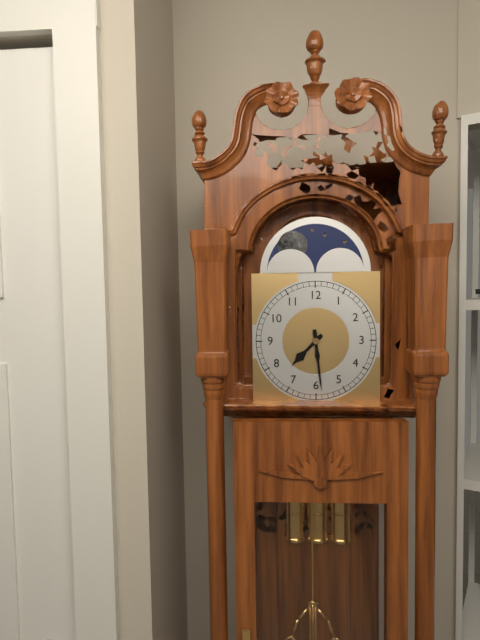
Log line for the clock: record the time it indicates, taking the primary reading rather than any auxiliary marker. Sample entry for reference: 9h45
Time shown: 7h29
